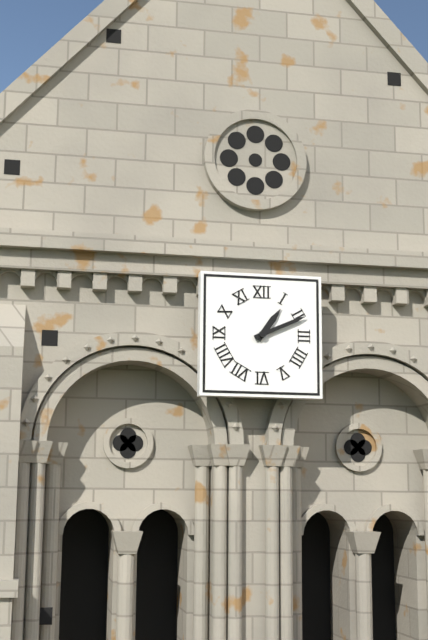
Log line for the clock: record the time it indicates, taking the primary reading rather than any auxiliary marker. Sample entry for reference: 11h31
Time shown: 1h11
